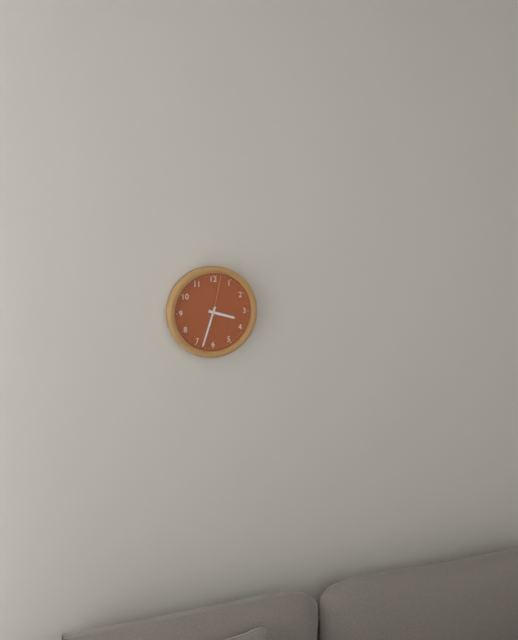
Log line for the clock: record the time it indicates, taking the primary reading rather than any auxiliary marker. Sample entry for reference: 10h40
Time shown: 3h33
